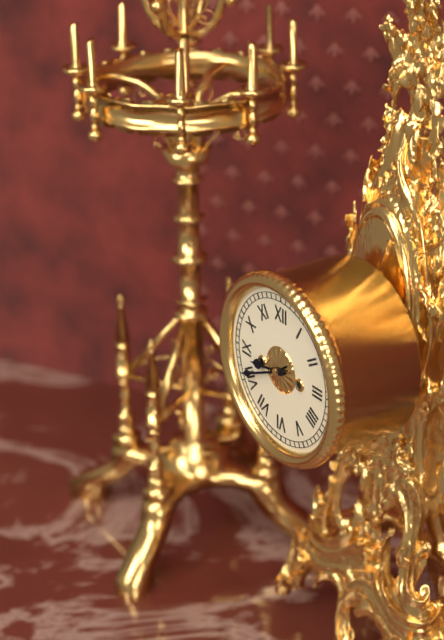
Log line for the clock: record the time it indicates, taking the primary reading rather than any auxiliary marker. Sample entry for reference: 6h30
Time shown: 8h41
